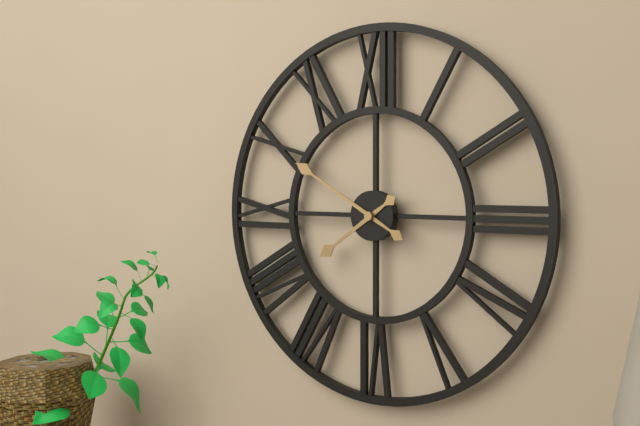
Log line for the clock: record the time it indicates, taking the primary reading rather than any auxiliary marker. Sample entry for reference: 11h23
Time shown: 7h50
